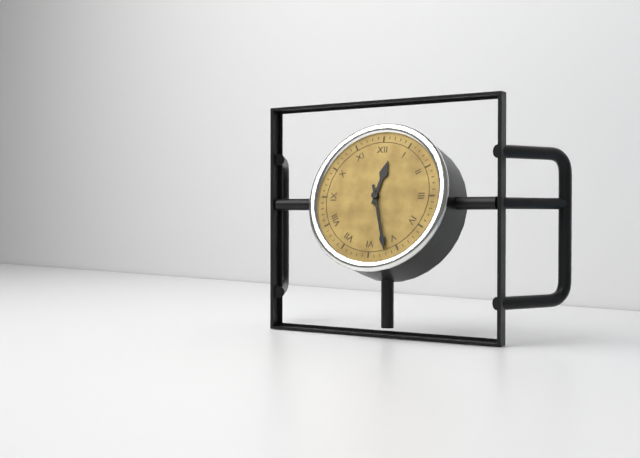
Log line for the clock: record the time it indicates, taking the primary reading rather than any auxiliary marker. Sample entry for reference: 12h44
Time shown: 12h27
